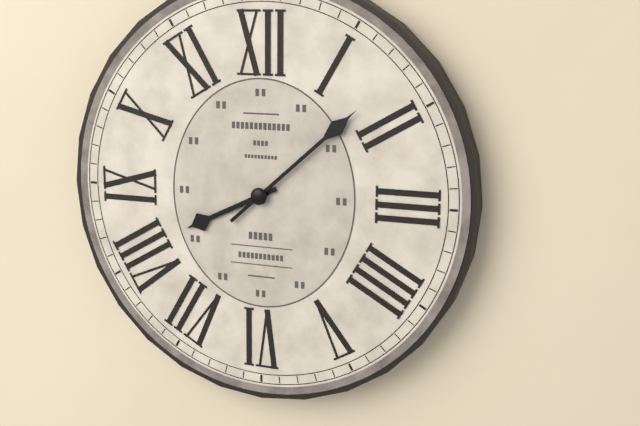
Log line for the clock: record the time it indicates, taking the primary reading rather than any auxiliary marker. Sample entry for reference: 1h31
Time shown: 8h08
